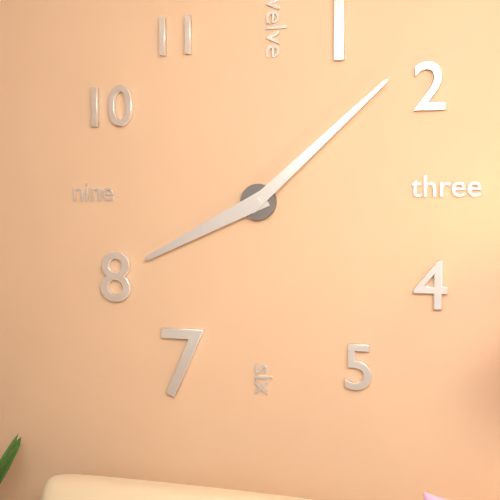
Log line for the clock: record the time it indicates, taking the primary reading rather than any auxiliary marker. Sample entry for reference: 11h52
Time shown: 8h08
